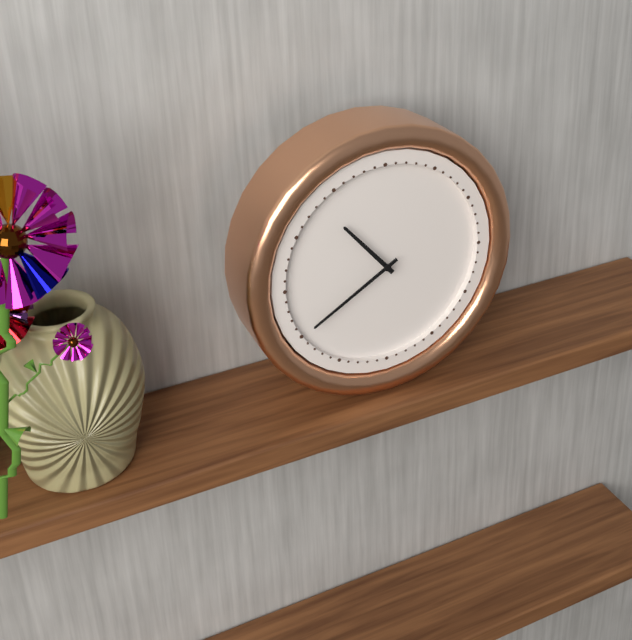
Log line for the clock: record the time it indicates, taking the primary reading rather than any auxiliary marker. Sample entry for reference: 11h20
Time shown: 10h40
